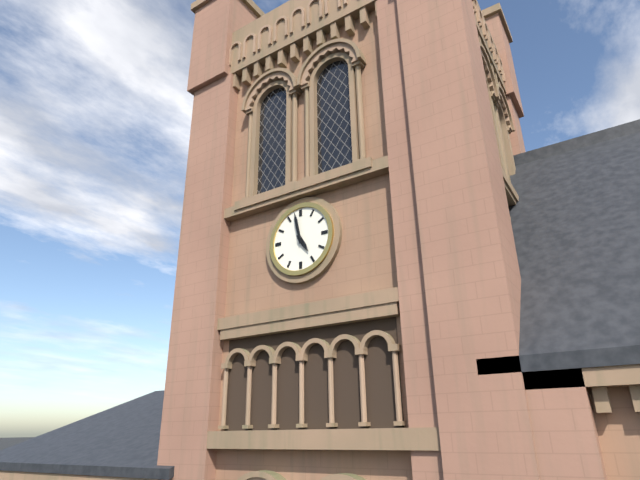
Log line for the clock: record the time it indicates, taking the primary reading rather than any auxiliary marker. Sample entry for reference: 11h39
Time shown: 4h58
